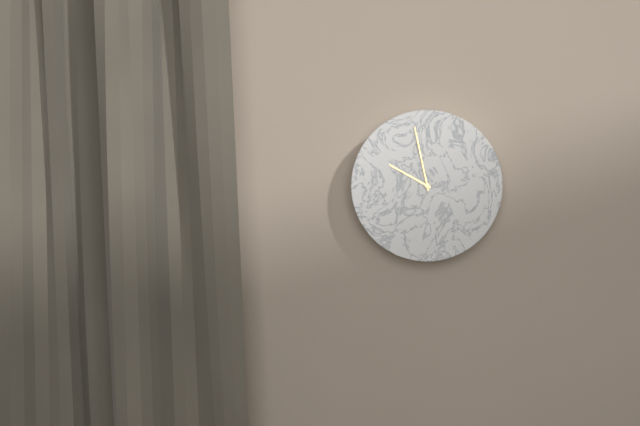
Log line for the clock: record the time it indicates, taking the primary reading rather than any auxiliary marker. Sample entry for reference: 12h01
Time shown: 9h58
